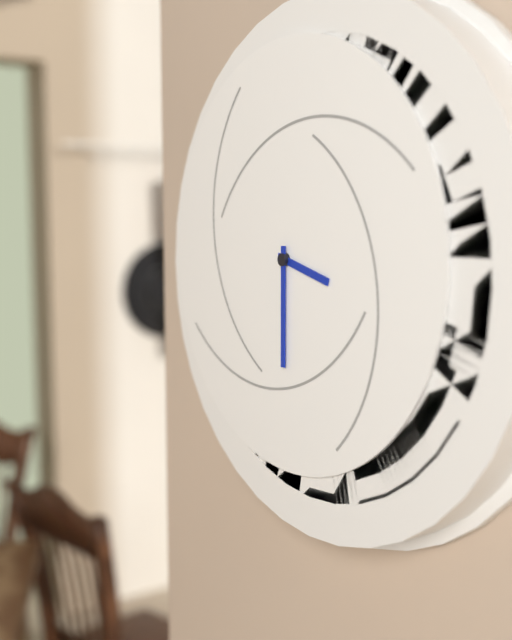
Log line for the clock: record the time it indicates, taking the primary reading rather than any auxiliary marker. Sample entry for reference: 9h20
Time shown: 3h30
